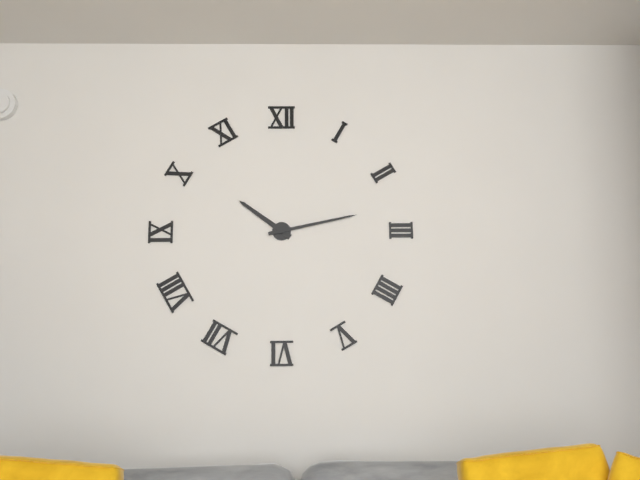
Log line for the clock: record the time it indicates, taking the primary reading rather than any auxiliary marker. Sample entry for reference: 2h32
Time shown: 10h13
